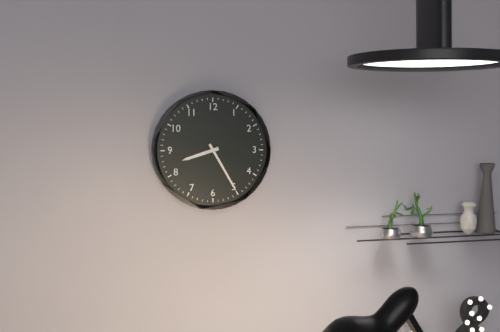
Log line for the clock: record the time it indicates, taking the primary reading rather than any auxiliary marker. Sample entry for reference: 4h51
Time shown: 8h25
